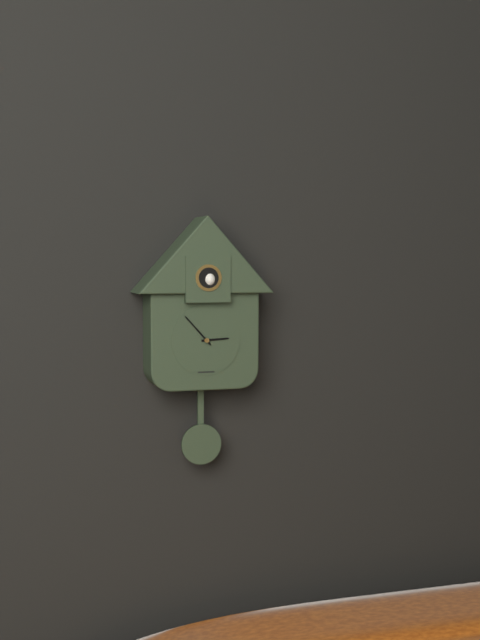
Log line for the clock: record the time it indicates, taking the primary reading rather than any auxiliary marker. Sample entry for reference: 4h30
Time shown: 2h53
